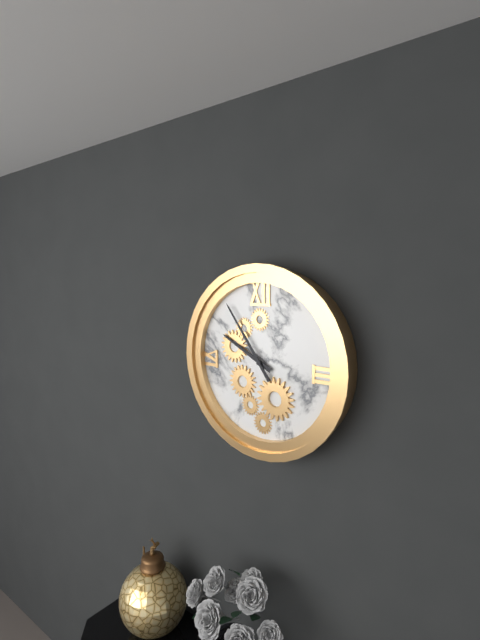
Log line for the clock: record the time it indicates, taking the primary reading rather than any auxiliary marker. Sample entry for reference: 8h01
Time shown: 9h54
